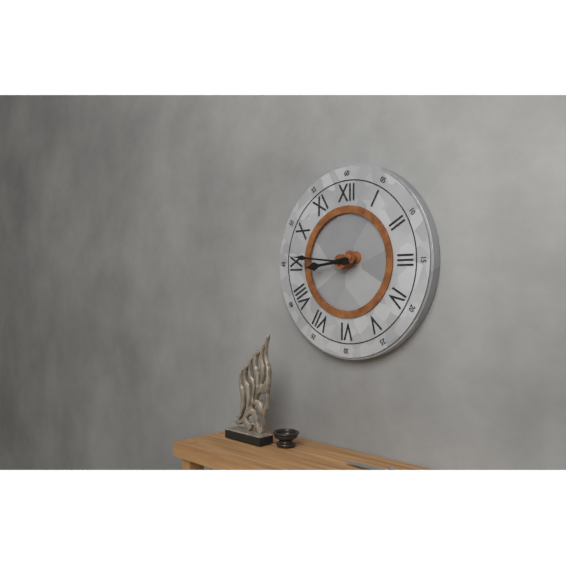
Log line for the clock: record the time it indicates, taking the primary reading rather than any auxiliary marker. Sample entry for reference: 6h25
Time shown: 8h46
